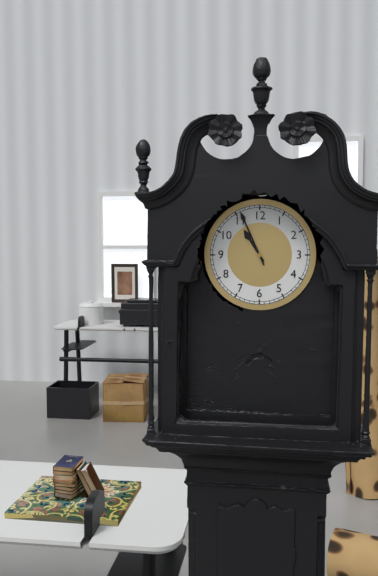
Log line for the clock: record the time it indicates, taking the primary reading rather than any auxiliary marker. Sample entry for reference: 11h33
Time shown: 10h56
